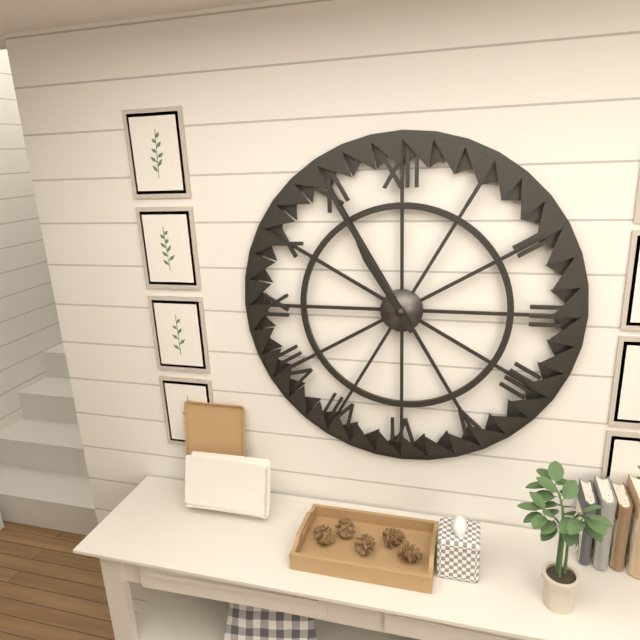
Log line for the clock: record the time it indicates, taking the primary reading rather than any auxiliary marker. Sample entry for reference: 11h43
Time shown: 10h55
